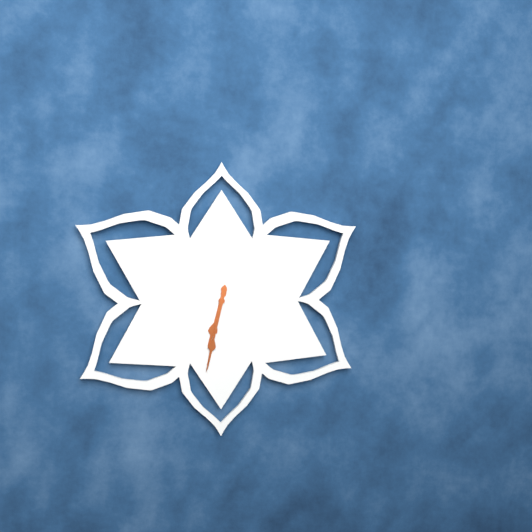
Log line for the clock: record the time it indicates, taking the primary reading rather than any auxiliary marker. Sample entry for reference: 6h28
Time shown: 6h32
